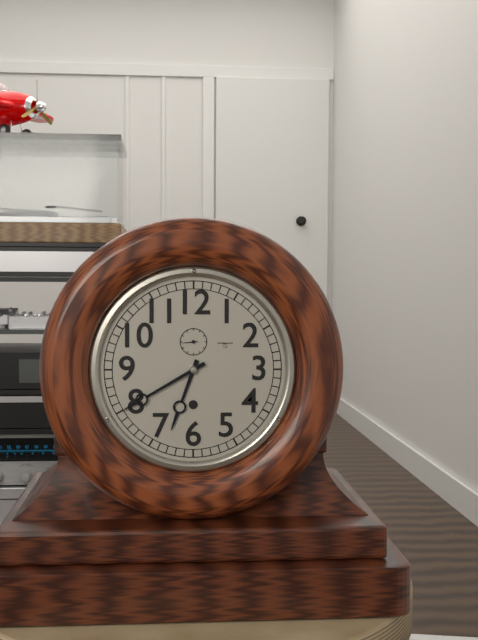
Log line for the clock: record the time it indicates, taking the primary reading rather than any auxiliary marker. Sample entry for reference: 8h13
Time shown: 6h40
